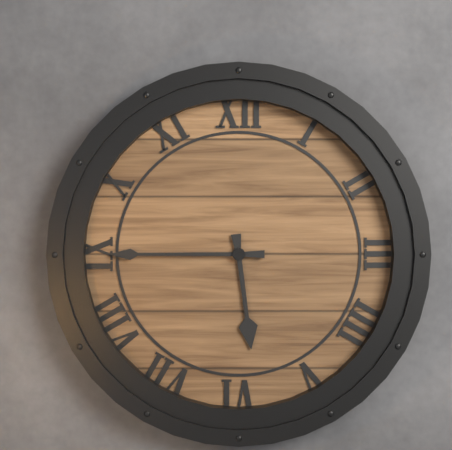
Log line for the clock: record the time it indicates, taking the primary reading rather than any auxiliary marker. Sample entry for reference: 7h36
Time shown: 5h45
